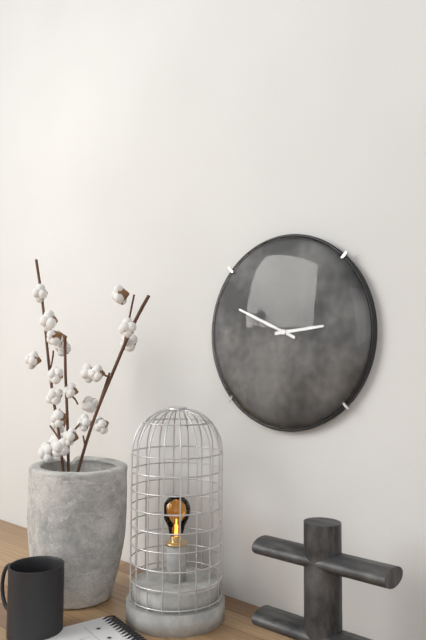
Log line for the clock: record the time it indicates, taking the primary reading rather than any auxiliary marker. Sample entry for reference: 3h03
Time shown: 2h49
